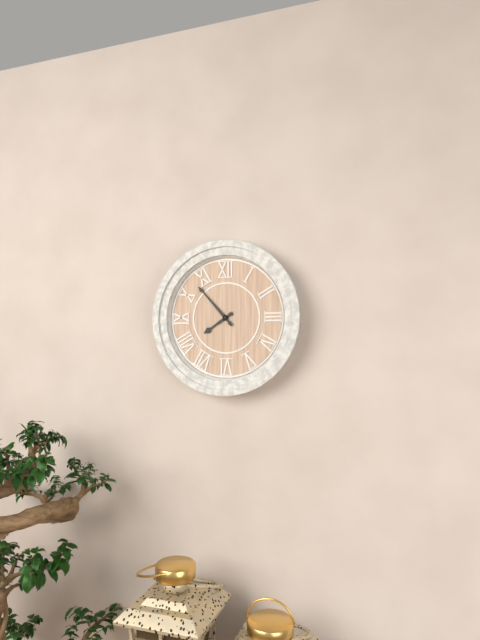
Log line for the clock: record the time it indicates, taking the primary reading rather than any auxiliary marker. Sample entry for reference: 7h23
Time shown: 7h53
